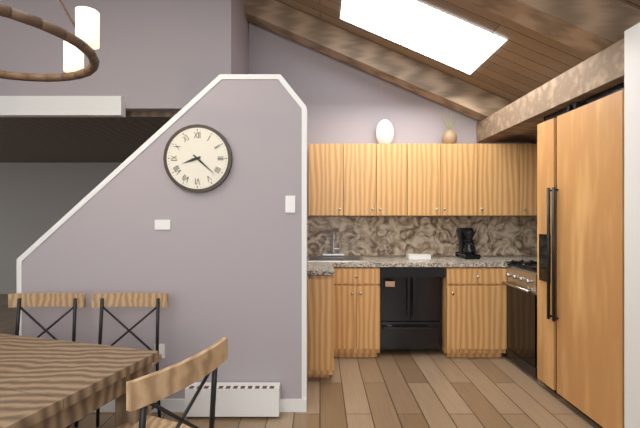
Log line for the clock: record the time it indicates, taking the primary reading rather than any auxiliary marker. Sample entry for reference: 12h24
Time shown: 8h22
